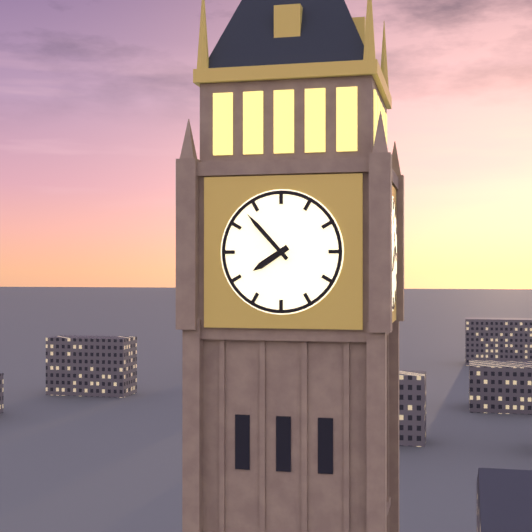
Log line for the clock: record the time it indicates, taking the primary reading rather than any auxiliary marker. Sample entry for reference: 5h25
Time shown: 7h53
